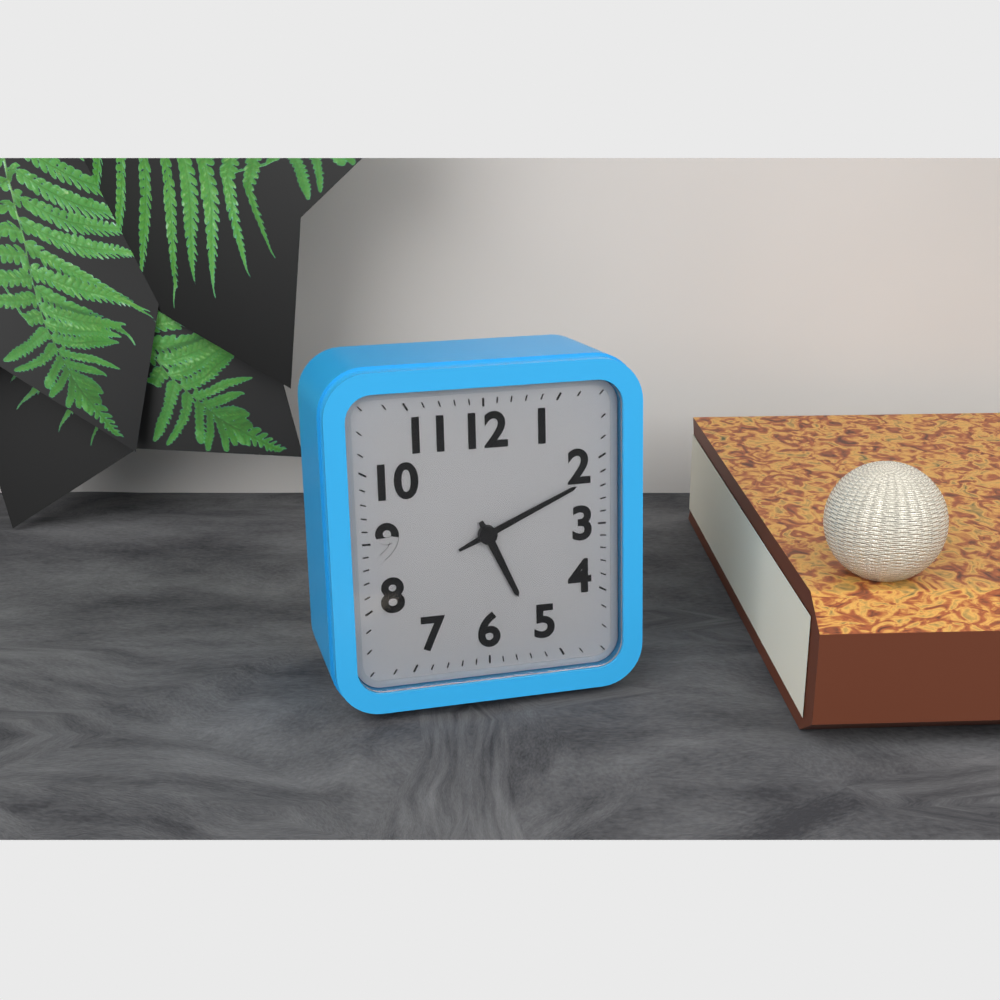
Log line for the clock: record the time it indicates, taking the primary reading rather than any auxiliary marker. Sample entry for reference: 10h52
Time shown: 5h11
